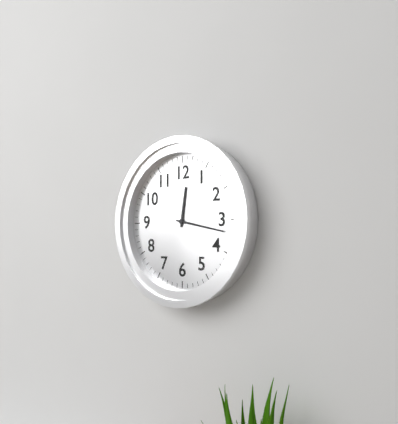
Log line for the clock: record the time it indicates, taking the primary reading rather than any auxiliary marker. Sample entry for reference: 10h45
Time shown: 12h17
